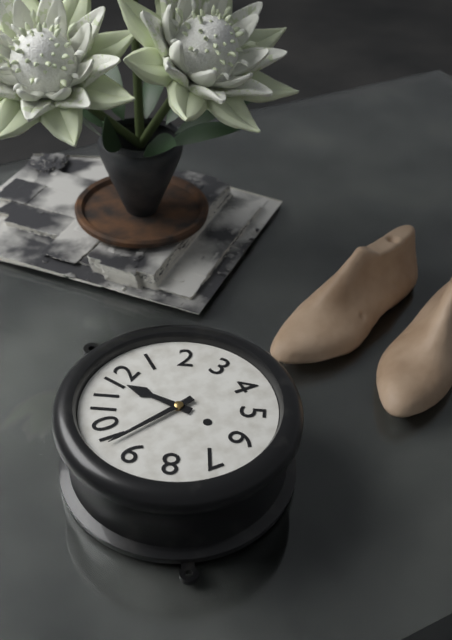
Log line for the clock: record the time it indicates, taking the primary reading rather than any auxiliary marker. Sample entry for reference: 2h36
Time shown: 11h48
